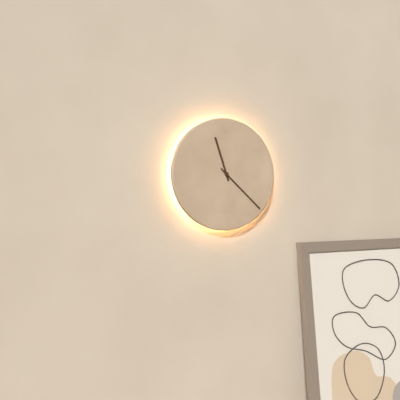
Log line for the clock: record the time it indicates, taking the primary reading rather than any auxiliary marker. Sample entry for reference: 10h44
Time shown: 11h22
